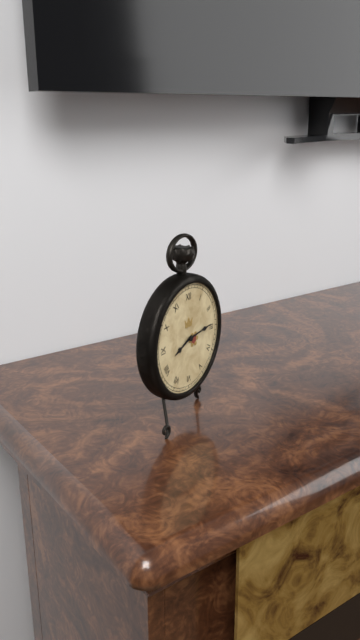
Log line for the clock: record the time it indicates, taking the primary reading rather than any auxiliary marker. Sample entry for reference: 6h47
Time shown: 8h14
